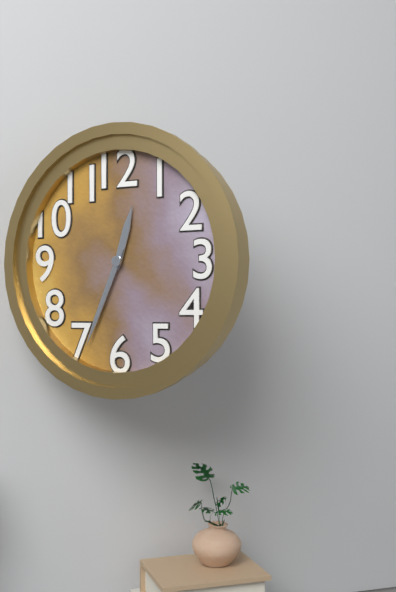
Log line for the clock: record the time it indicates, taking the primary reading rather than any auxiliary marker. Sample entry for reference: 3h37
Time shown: 12h34
